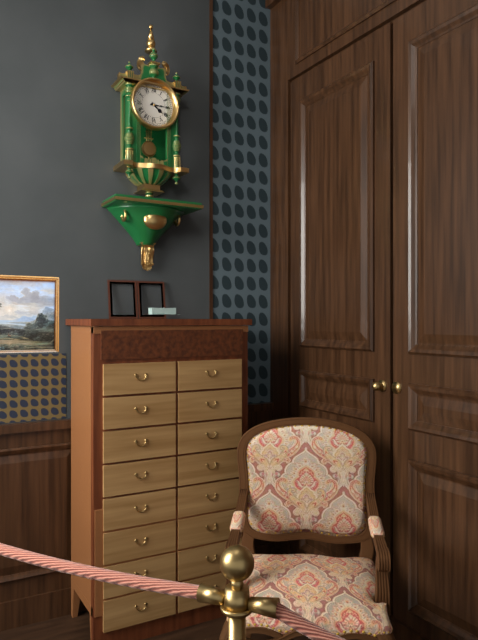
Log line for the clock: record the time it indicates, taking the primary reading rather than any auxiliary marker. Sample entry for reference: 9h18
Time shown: 4h15
